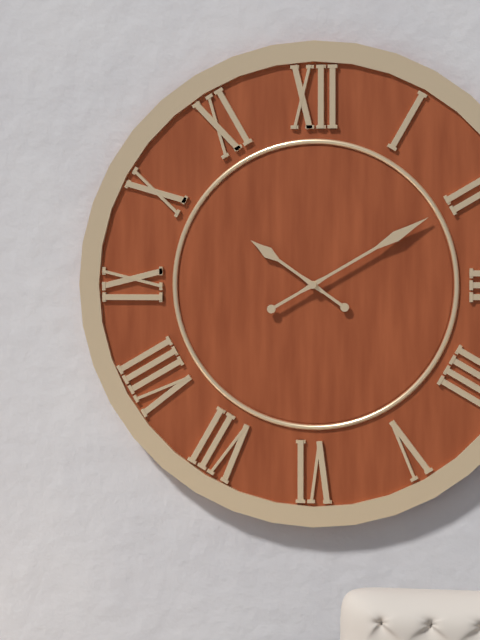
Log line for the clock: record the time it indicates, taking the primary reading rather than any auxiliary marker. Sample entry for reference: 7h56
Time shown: 10h10
